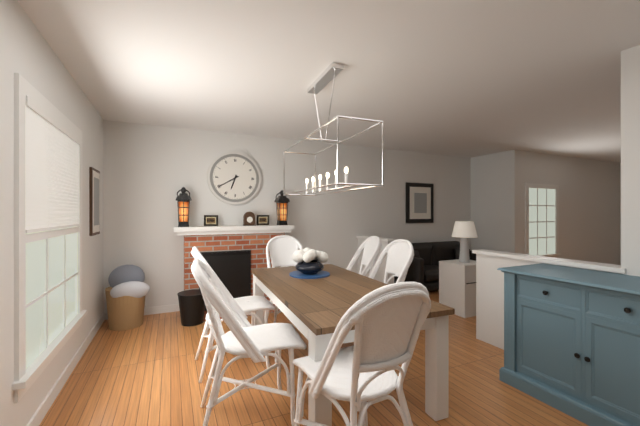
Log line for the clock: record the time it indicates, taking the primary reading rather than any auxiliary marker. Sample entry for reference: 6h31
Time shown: 6h40
